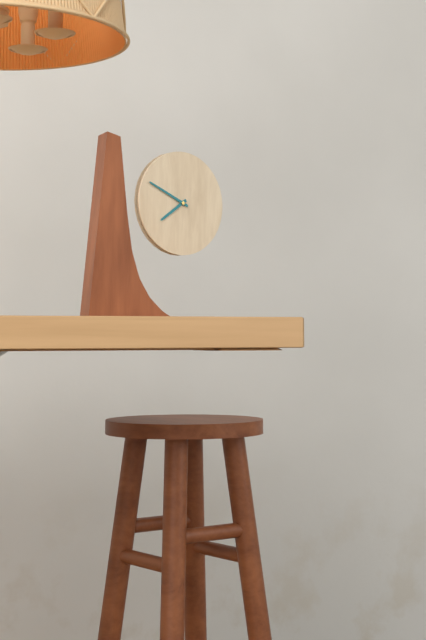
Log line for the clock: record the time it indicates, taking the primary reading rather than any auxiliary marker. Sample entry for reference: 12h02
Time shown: 7h49
